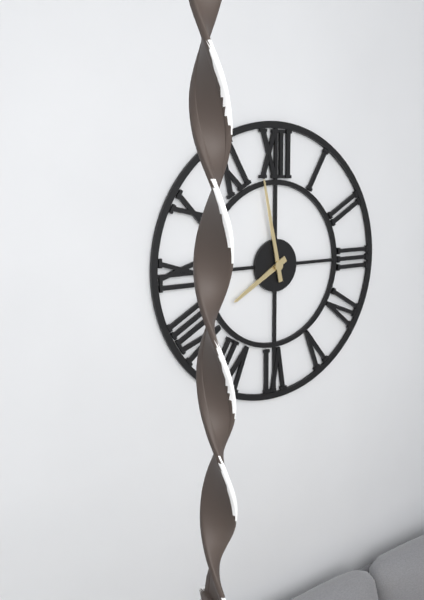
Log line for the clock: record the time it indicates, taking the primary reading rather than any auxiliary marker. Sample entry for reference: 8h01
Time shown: 7h58
